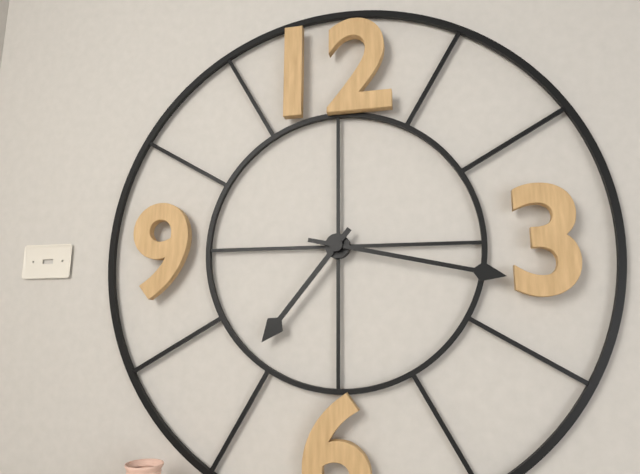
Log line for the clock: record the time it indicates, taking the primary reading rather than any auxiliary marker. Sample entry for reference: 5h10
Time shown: 7h17
